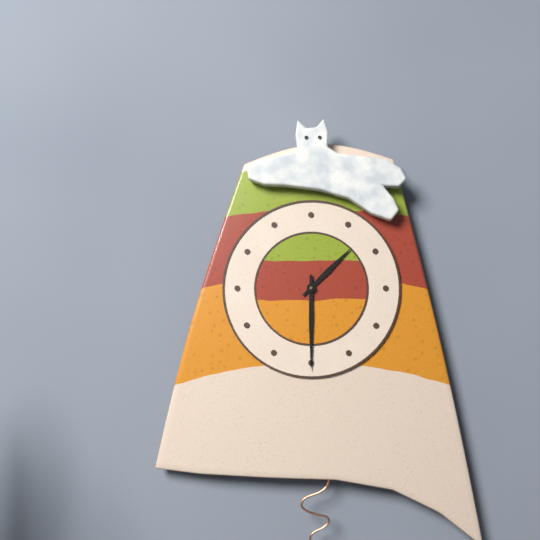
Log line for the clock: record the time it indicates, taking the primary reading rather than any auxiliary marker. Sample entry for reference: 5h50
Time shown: 1h30
